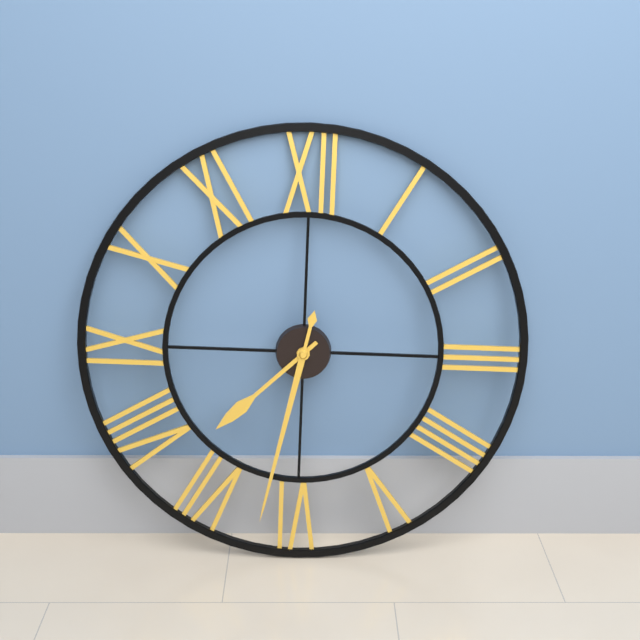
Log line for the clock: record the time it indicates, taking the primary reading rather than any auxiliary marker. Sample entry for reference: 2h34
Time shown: 7h32
